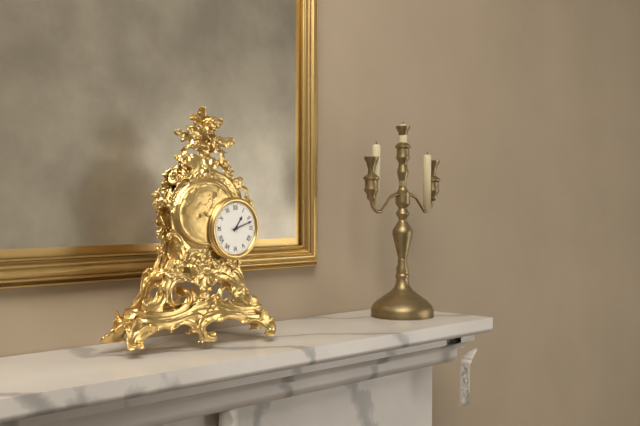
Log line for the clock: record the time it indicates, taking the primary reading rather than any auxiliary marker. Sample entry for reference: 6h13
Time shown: 1h12
